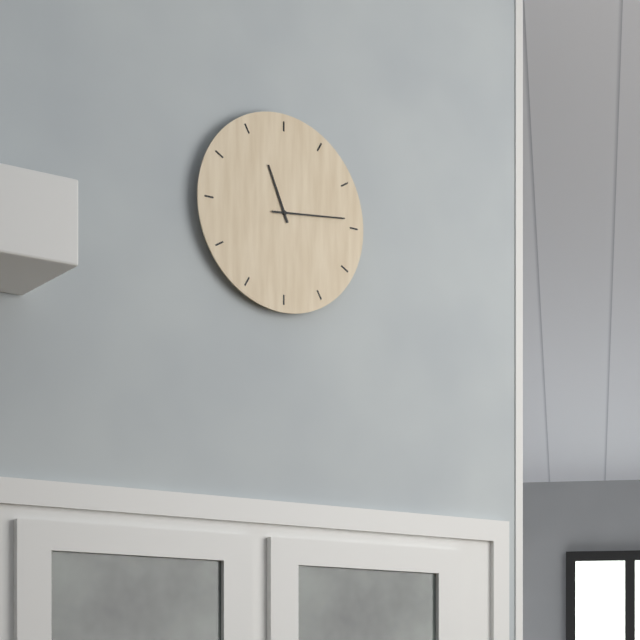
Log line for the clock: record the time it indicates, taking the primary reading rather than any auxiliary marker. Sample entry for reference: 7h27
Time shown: 11h14
